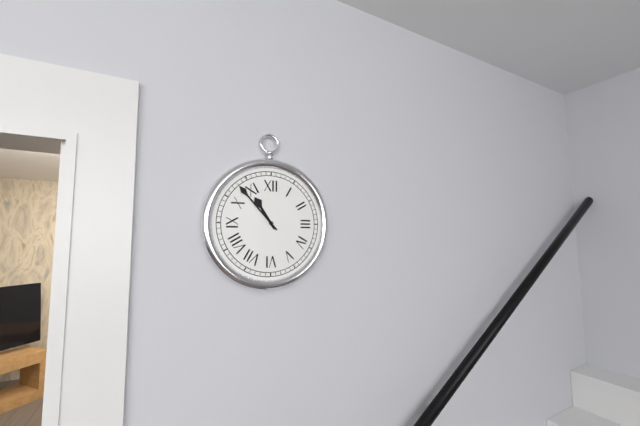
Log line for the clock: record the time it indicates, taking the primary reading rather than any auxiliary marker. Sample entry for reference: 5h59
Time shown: 10h53
